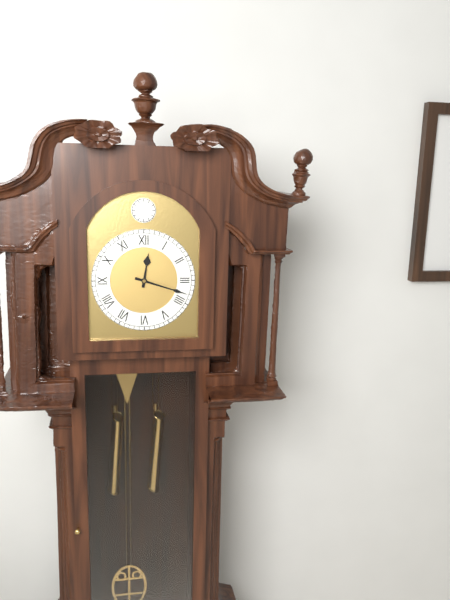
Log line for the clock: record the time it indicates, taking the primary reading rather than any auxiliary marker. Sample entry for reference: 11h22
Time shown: 12h18
